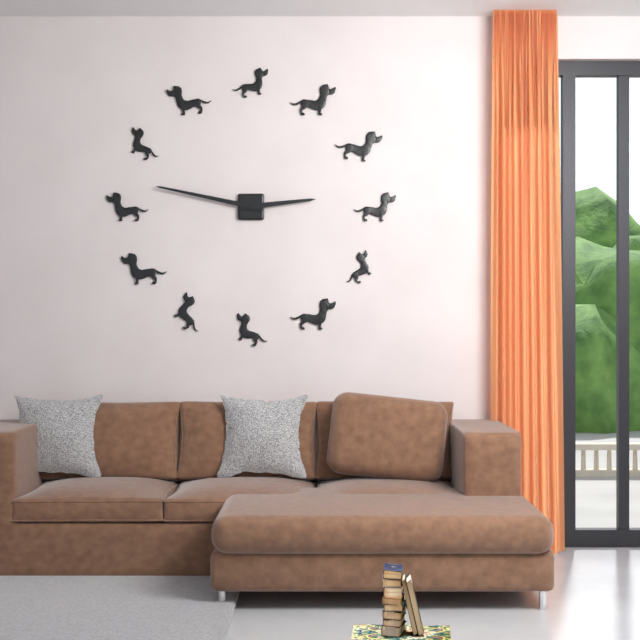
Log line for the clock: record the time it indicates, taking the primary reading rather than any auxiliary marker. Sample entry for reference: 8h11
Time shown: 2h47
